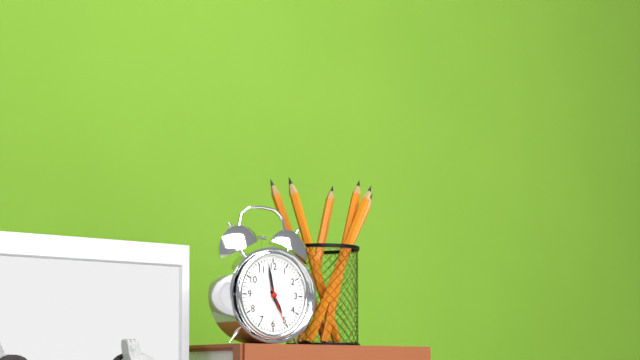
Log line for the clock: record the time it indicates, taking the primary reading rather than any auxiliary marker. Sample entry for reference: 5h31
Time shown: 4h58
